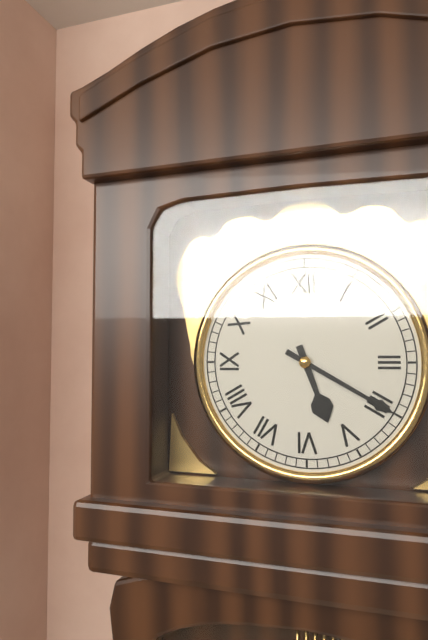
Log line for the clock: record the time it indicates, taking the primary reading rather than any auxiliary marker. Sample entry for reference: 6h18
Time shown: 5h20
